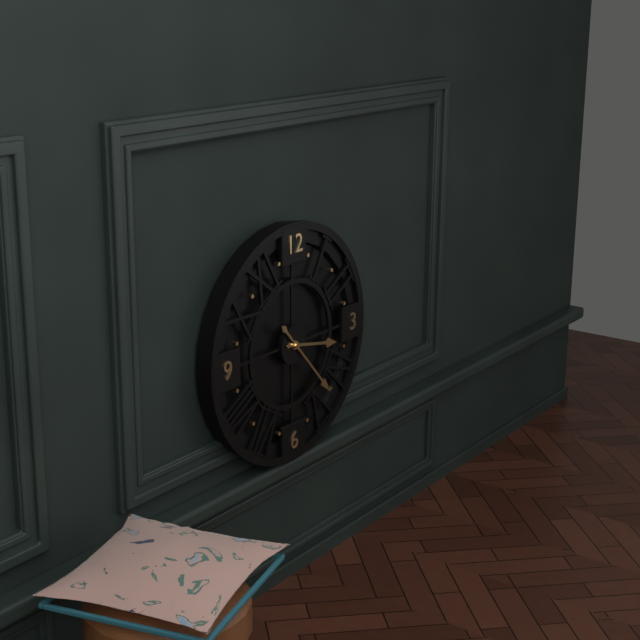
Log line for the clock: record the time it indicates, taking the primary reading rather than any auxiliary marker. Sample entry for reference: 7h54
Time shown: 3h23
